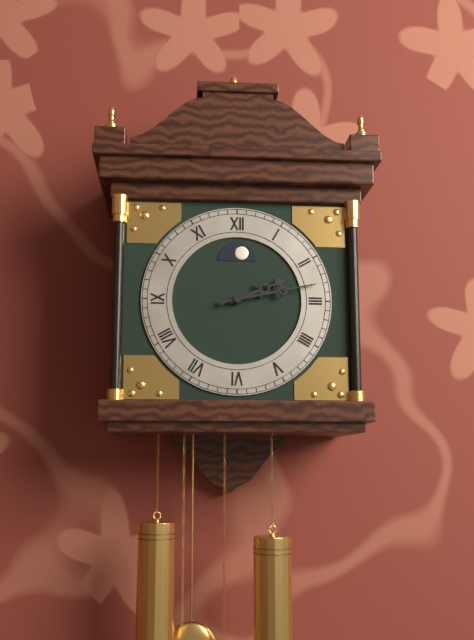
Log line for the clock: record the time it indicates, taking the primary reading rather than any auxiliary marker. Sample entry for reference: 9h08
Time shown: 2h13
